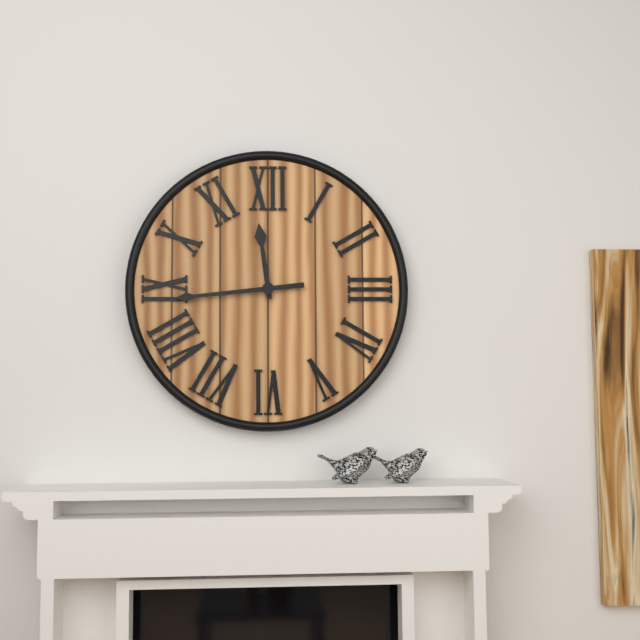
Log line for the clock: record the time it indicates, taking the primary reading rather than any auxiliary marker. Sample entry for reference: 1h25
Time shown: 11h44
